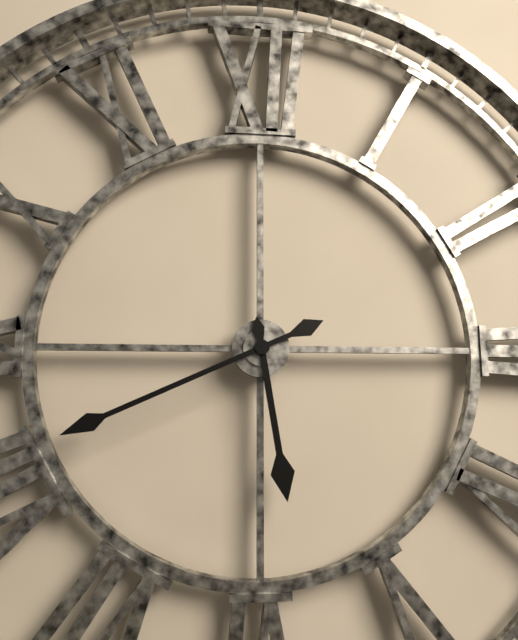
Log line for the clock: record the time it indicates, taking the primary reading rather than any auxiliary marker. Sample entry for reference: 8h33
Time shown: 5h41
